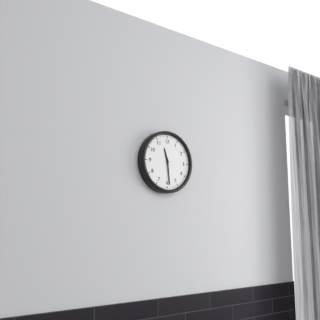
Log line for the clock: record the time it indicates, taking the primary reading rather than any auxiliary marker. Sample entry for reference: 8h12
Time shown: 11h29
